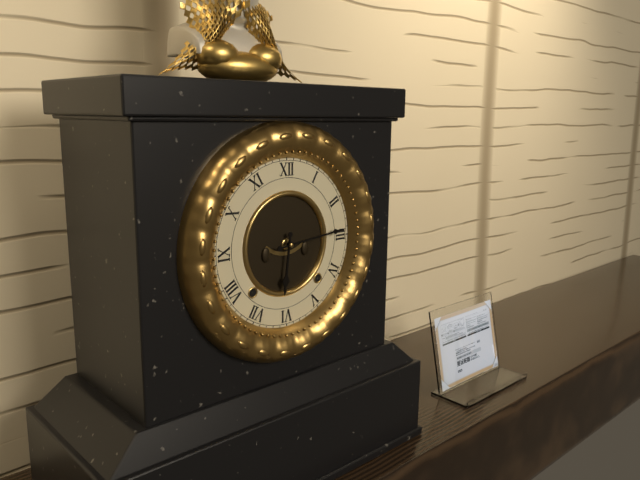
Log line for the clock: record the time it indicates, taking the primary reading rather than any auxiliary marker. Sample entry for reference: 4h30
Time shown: 6h14
